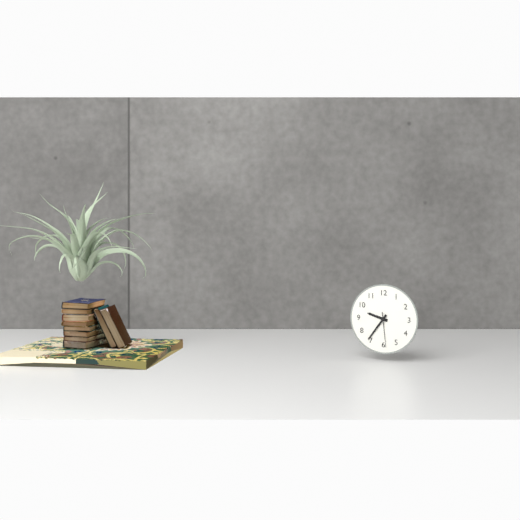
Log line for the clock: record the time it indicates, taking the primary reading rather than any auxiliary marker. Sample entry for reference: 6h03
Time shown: 9h36
